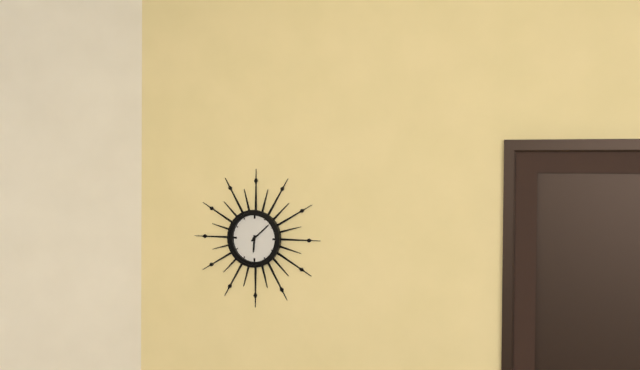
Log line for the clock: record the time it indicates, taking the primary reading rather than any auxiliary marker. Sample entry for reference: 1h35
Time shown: 6h08
